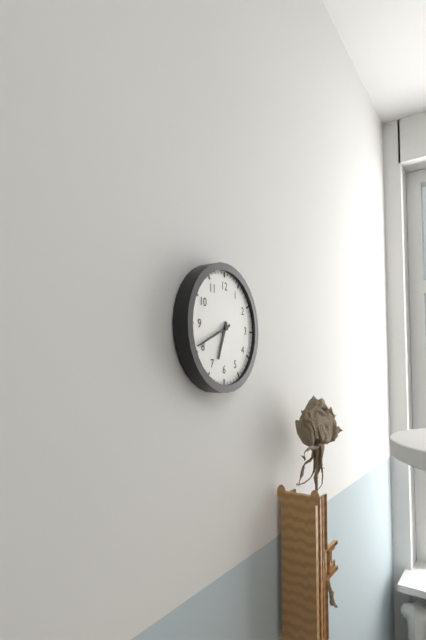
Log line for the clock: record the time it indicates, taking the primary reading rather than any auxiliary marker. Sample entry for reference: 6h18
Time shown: 6h41
